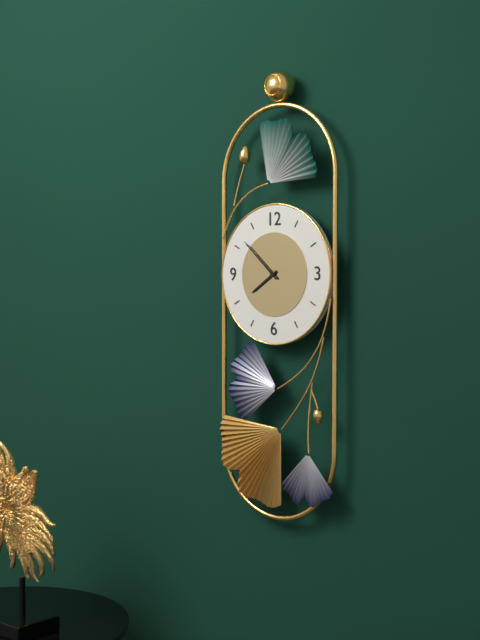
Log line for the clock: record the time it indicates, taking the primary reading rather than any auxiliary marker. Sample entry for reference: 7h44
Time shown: 7h52
